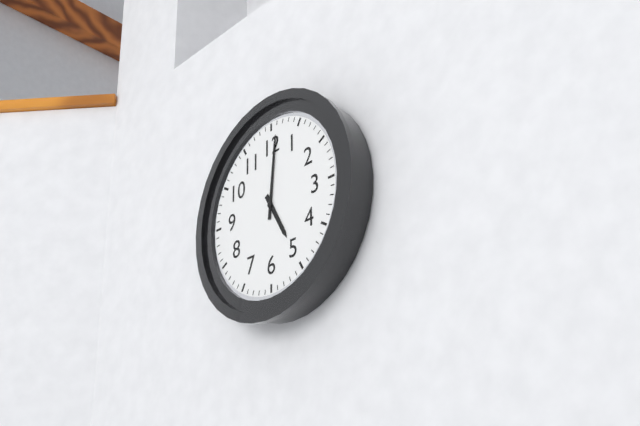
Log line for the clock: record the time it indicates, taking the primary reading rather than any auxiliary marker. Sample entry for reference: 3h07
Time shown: 5h01
